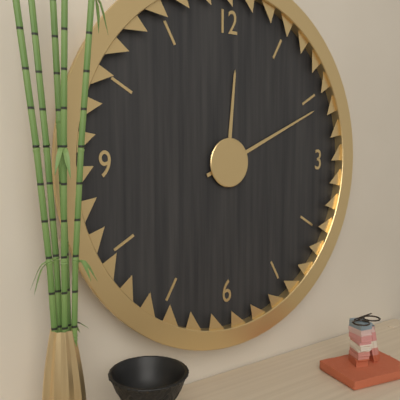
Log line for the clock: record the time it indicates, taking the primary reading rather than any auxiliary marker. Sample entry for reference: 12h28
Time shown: 12h11
